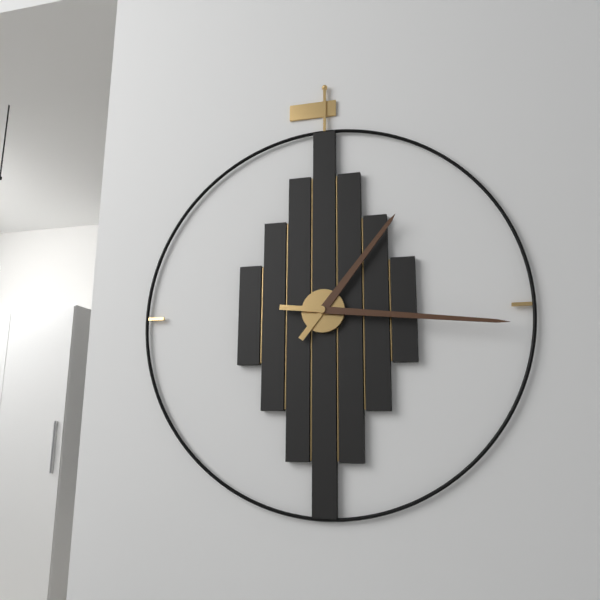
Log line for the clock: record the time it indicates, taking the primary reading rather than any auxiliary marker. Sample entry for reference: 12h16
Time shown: 1h16
